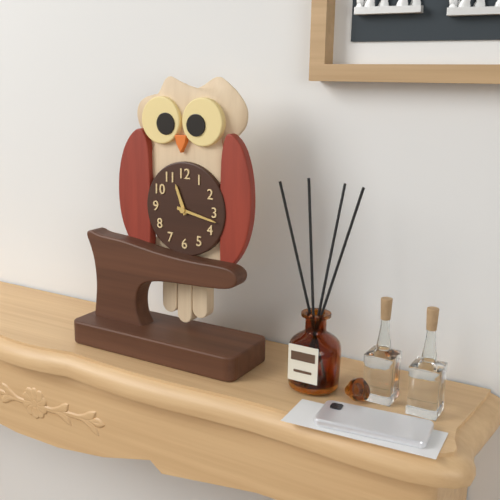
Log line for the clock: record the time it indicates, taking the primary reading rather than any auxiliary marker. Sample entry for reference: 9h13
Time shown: 11h17
